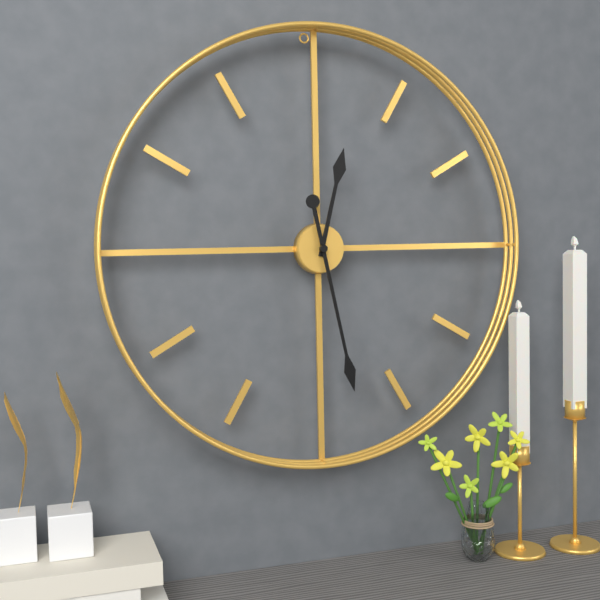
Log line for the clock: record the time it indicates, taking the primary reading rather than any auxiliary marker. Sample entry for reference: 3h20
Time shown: 12h28
